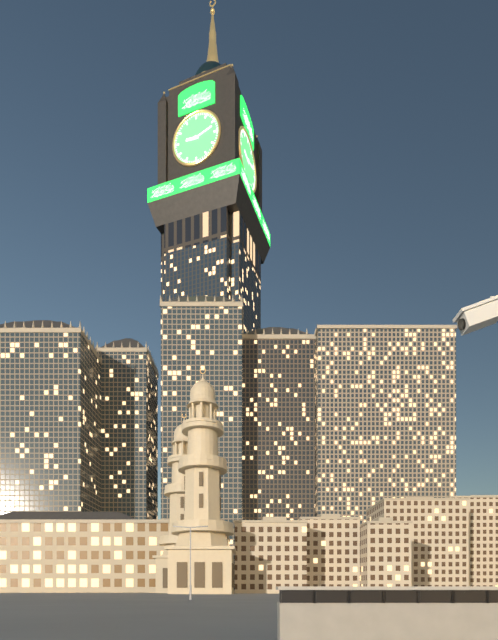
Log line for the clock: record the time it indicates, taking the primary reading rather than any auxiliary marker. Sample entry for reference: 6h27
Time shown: 9h12
